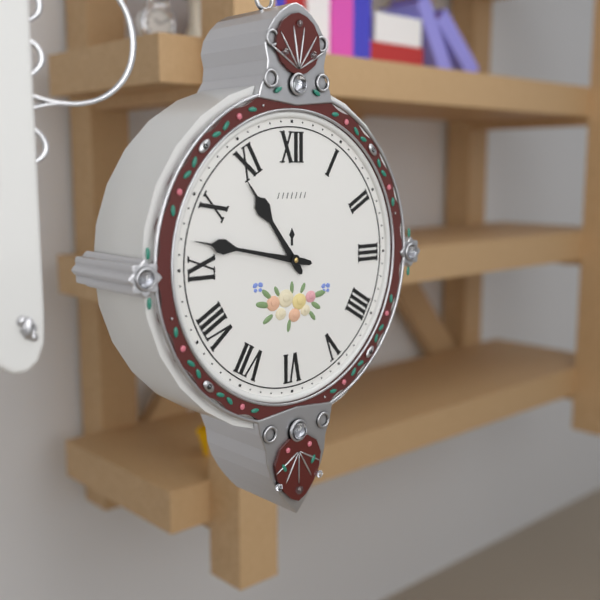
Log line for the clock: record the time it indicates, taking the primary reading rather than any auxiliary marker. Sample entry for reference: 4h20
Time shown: 10h47
